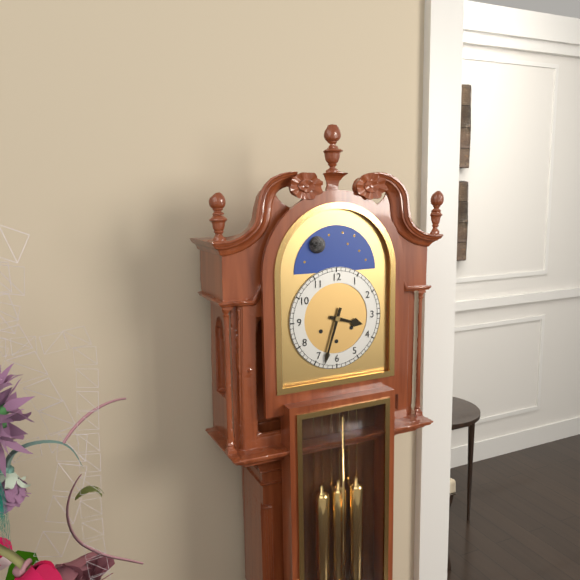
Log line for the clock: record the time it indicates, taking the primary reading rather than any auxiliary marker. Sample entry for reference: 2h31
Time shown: 3h33
